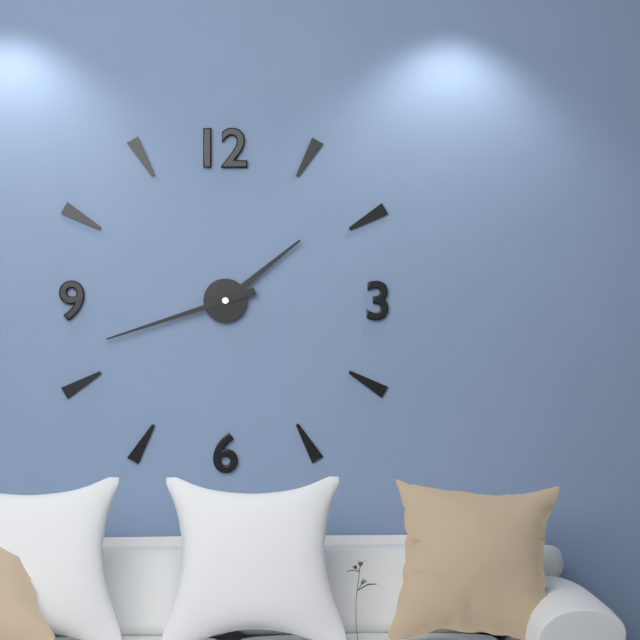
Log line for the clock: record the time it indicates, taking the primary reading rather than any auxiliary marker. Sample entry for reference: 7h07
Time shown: 1h42
